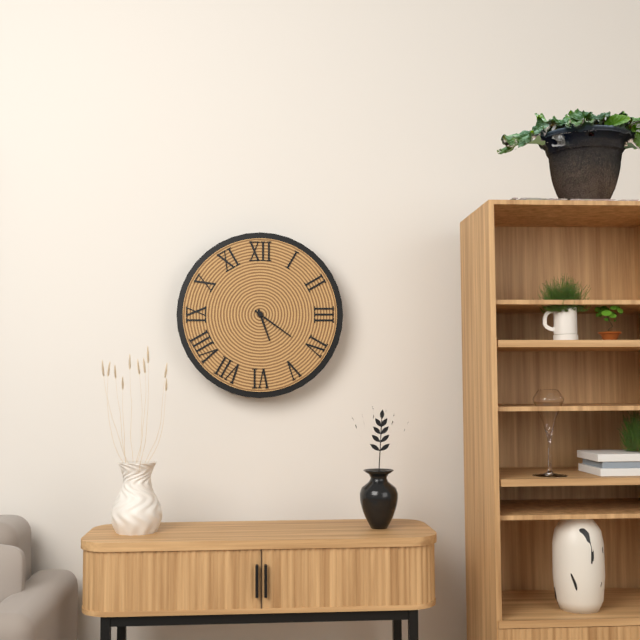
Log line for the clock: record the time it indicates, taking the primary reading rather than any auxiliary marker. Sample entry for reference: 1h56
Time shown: 5h21
